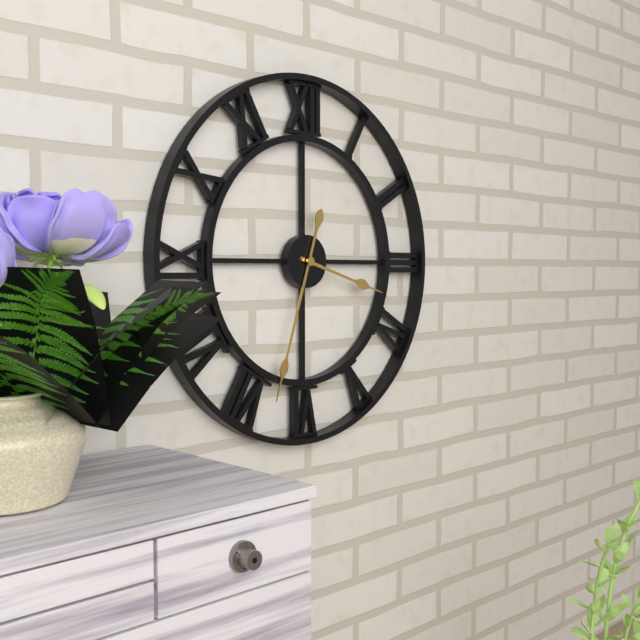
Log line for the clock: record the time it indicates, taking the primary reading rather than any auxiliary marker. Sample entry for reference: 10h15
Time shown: 3h33
